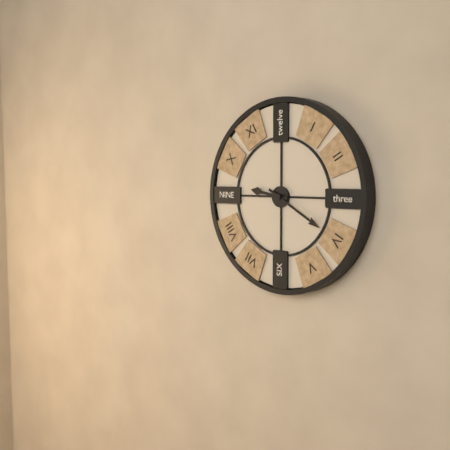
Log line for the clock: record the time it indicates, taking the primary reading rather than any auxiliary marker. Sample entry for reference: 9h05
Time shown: 9h20
